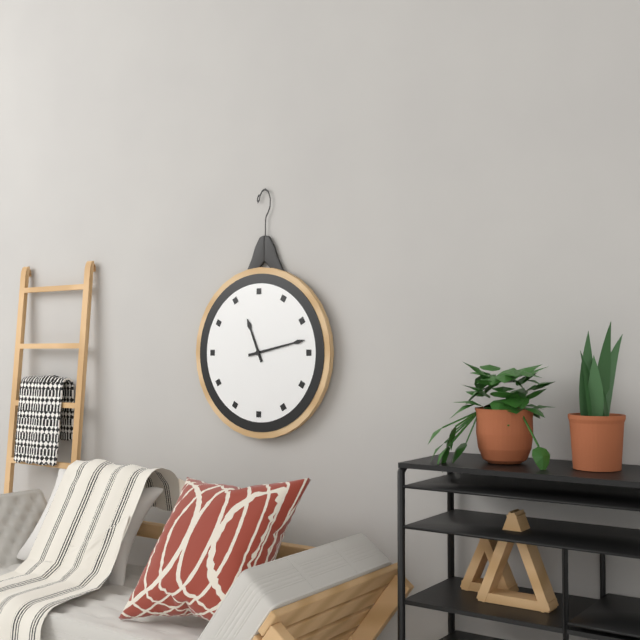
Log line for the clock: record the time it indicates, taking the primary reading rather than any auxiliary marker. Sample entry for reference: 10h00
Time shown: 11h13
